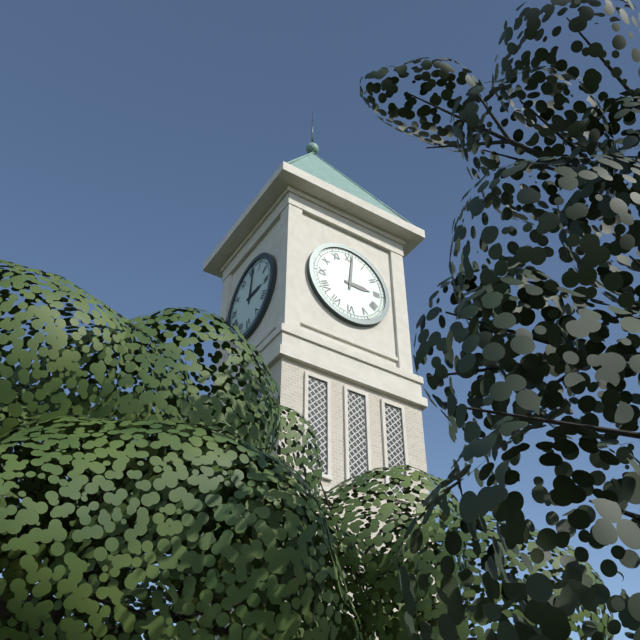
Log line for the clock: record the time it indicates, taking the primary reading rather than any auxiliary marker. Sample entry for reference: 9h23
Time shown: 3h01
